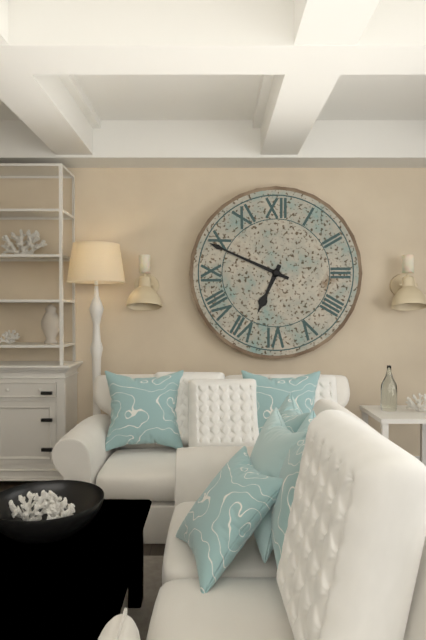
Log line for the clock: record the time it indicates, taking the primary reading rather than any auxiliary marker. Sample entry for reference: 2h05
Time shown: 6h49
